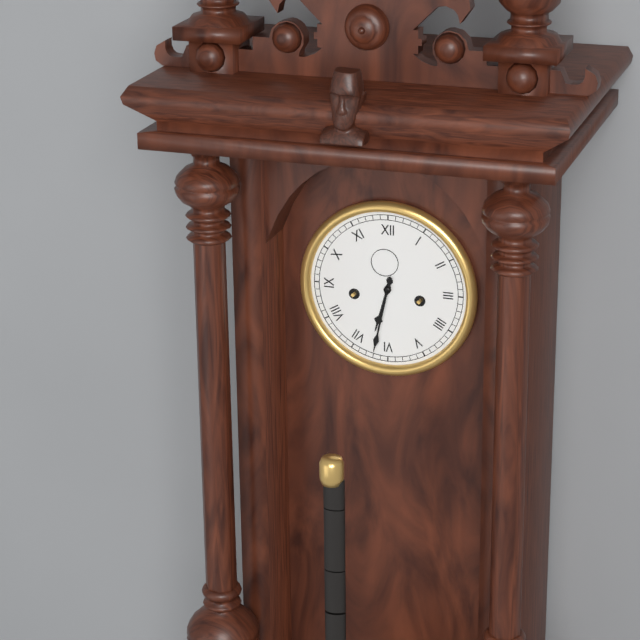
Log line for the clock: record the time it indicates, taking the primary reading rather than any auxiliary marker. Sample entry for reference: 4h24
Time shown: 6h32
